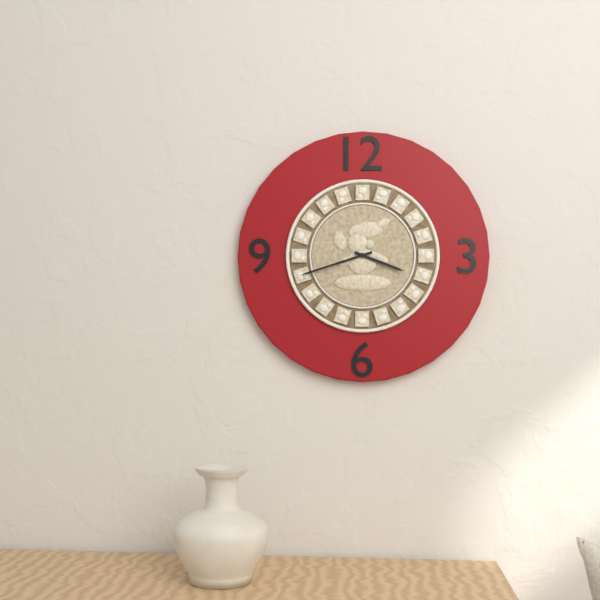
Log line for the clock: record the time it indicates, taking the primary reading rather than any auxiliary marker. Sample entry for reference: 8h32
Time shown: 3h42
